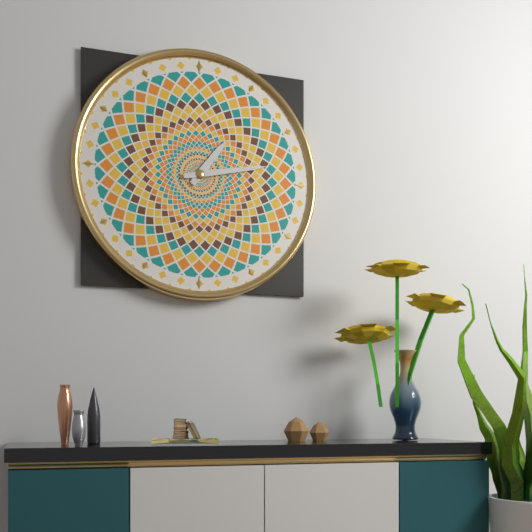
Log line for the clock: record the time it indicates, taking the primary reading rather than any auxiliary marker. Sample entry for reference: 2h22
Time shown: 1h13
